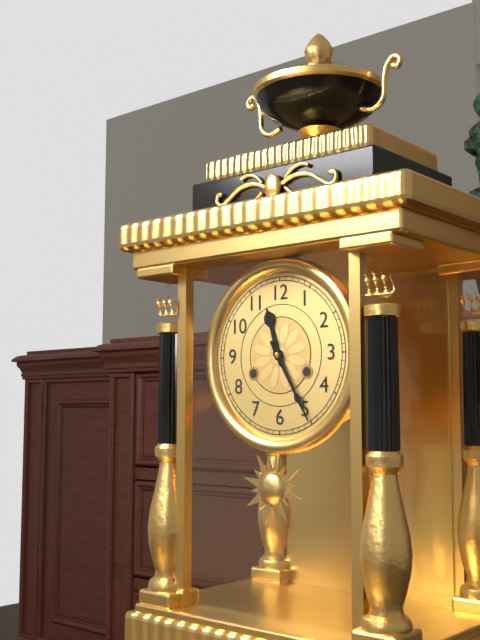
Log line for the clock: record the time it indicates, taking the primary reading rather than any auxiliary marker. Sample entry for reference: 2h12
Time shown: 11h25
